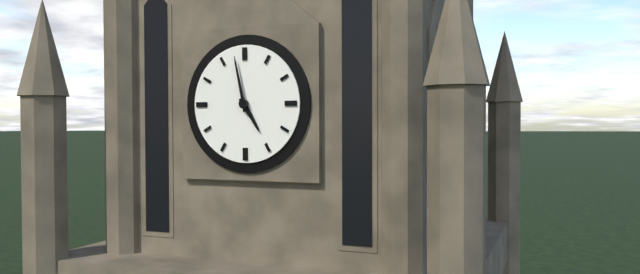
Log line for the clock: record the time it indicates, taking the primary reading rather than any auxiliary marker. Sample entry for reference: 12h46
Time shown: 4h58
